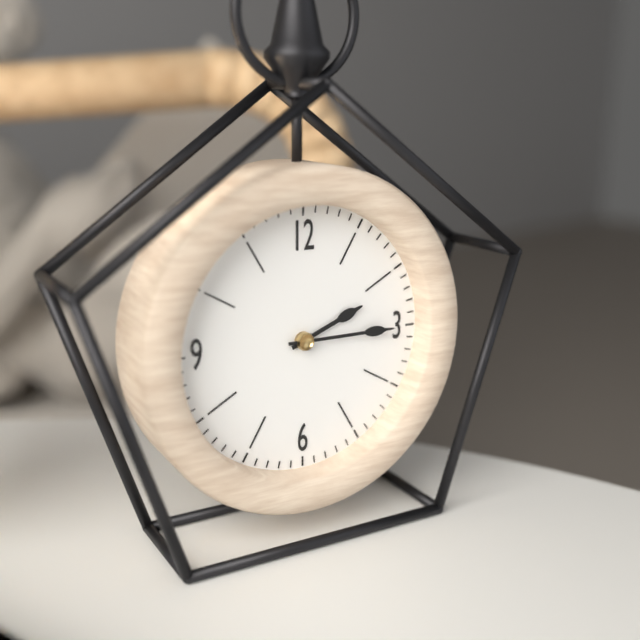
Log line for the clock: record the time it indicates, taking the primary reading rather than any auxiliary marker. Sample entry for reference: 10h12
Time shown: 2h15
